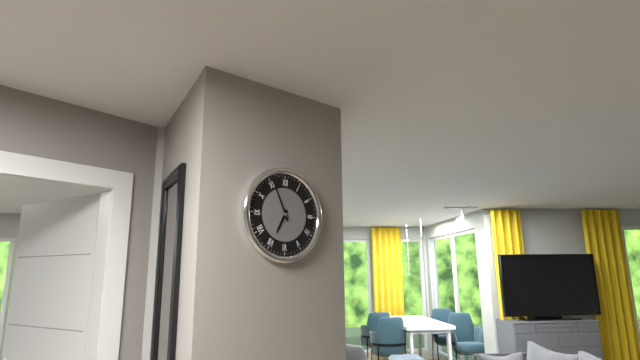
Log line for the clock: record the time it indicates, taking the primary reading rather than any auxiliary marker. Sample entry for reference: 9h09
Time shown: 6h56
